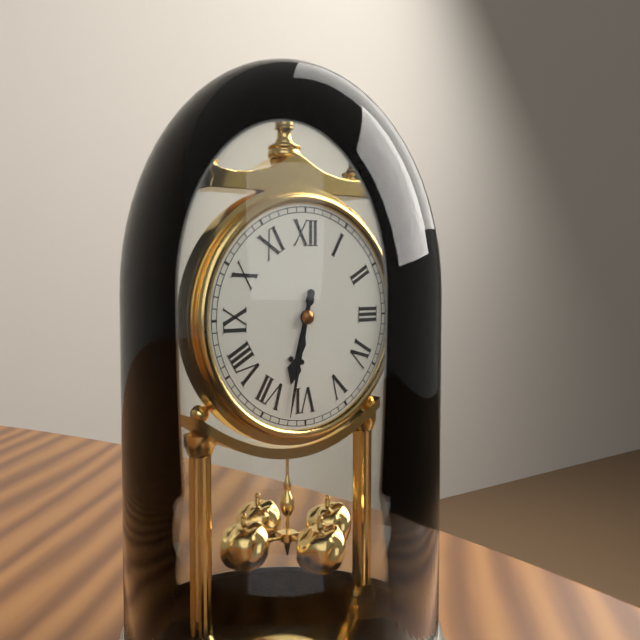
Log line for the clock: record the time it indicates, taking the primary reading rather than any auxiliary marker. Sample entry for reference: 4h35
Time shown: 6h32
